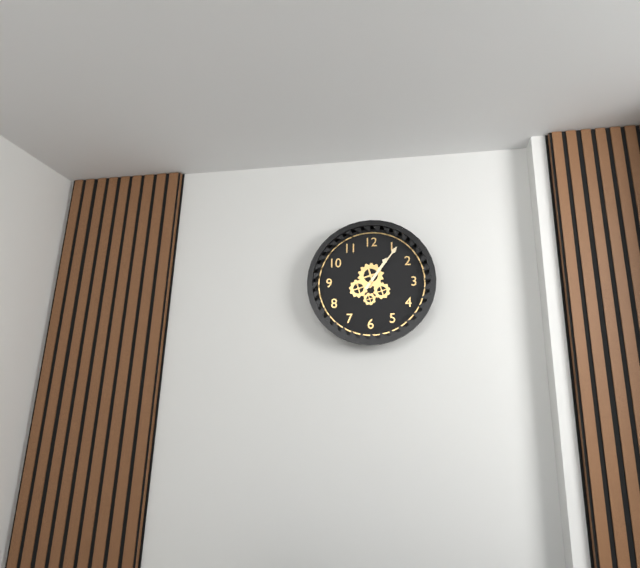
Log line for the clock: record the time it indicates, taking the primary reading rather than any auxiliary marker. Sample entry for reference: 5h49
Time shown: 1h06
